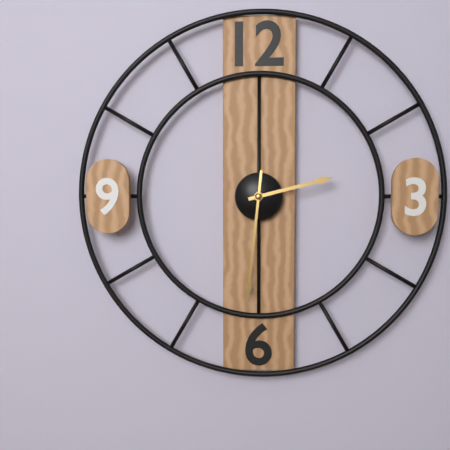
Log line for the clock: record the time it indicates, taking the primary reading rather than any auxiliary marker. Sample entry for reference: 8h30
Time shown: 2h31
